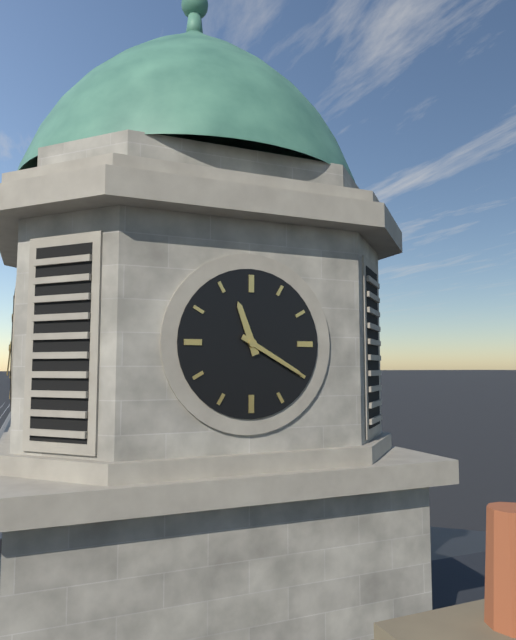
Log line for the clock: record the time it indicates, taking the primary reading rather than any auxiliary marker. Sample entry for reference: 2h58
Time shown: 11h20
